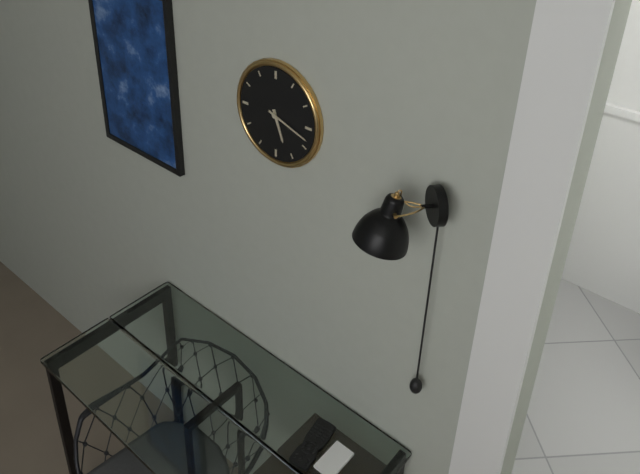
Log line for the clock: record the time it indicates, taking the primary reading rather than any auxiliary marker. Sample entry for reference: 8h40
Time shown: 5h18
